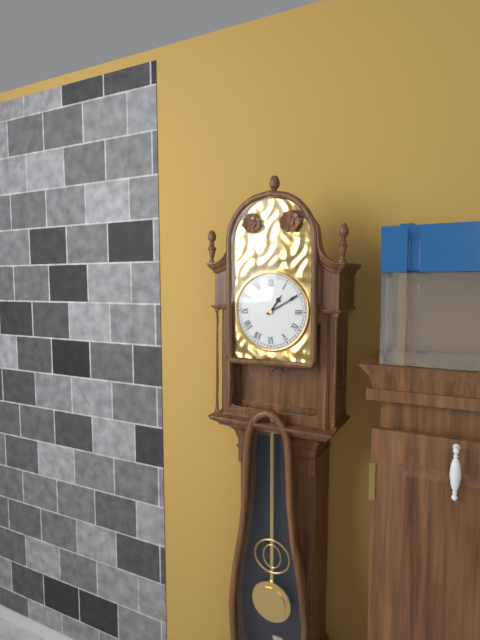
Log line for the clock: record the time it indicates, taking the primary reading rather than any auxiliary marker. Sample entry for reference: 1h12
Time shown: 1h10
